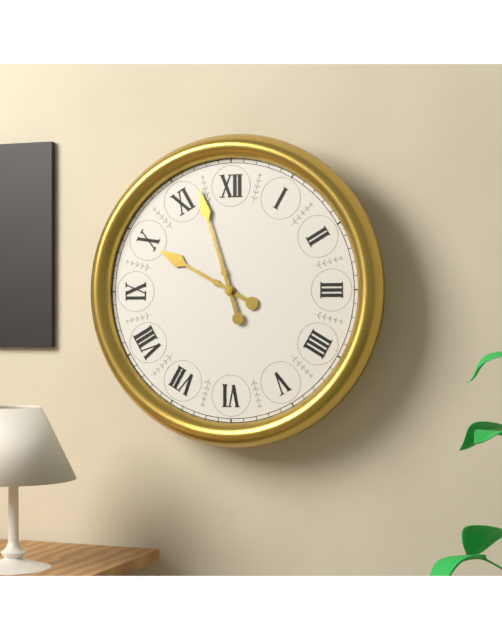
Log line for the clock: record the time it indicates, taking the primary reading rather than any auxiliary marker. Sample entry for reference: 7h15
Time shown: 9h57
